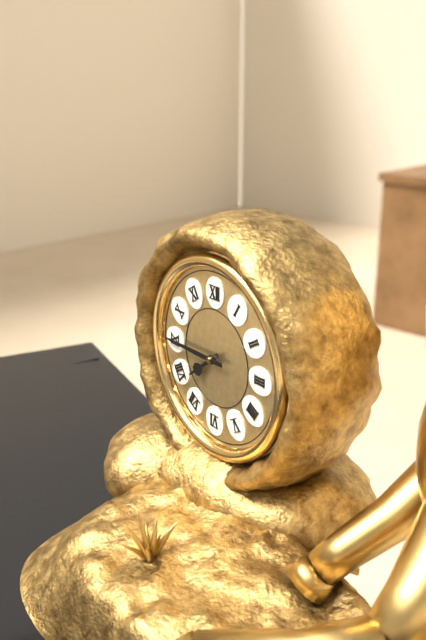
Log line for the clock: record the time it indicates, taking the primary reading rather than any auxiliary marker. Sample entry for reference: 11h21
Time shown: 7h45
